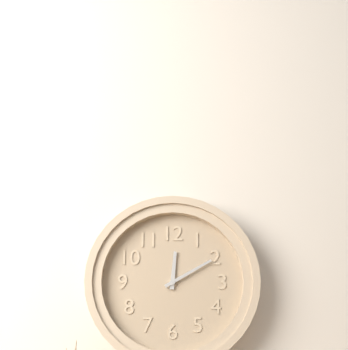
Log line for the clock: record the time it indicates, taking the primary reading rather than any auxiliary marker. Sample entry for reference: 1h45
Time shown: 12h10
